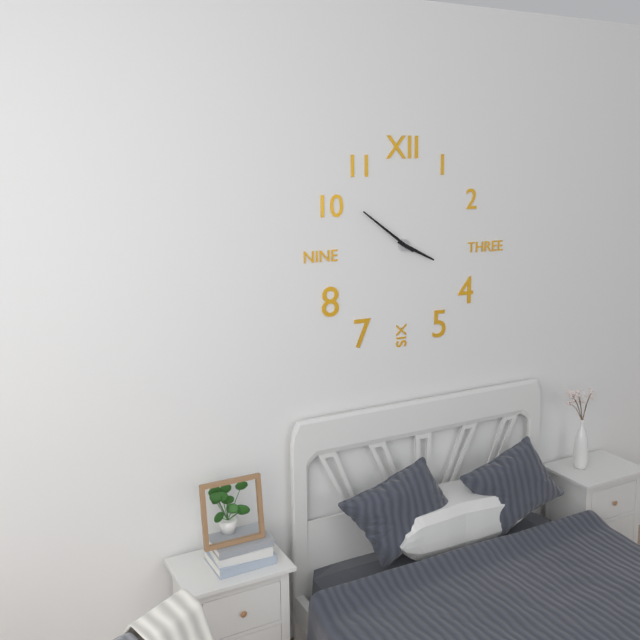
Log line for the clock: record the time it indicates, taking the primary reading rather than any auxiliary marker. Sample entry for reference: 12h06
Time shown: 3h51
